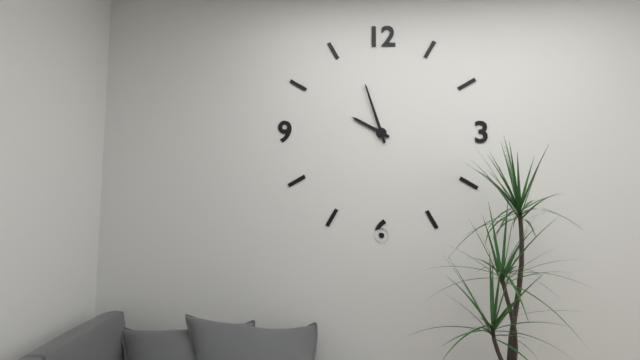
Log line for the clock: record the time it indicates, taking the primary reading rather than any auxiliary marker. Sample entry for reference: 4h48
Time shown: 9h57
